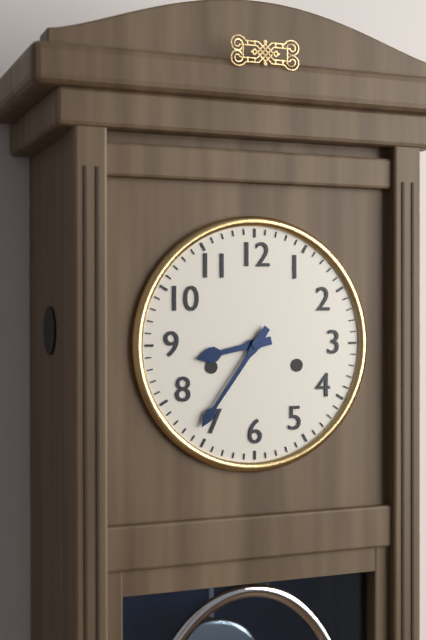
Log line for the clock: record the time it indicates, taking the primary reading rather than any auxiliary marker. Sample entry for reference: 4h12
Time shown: 8h36
